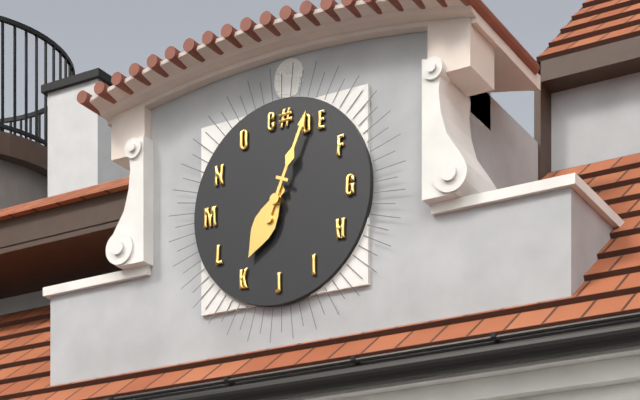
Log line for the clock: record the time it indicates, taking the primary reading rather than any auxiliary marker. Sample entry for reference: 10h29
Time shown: 7h04
